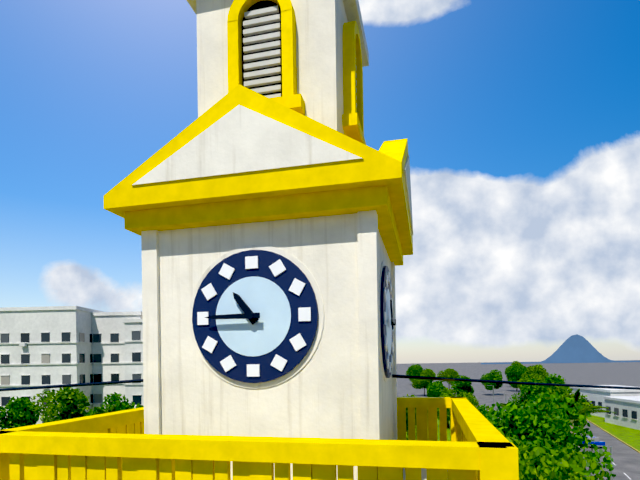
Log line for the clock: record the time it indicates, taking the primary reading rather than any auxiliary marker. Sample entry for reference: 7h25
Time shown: 10h45
